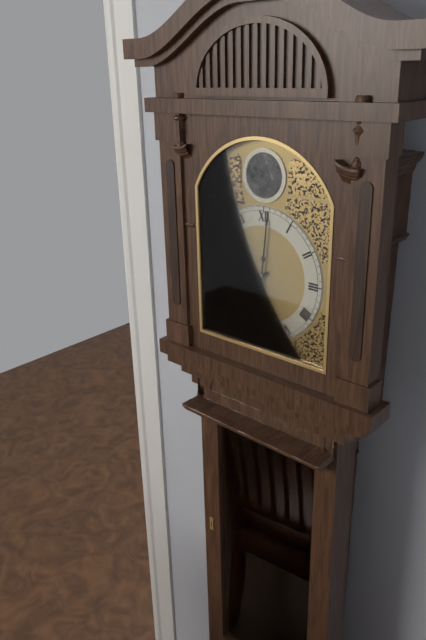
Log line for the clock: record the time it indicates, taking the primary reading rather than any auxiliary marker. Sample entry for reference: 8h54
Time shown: 8h01
